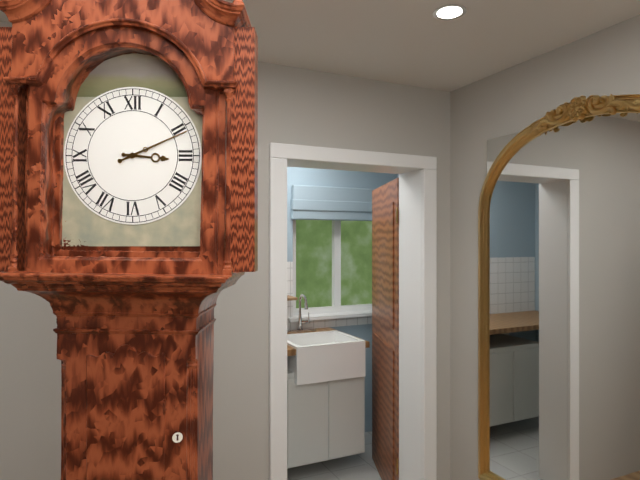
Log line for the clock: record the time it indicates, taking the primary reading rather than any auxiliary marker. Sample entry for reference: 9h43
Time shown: 3h11
